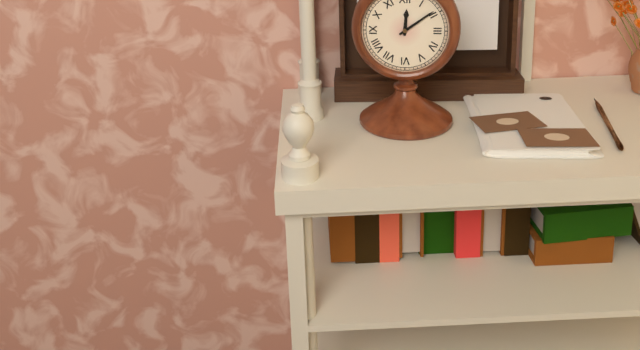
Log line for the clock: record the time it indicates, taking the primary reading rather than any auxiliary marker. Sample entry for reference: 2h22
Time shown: 12h09
